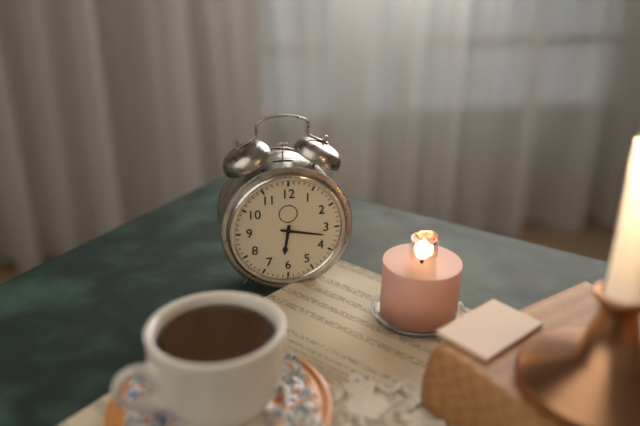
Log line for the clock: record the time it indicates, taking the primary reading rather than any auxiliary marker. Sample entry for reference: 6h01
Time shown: 6h17
